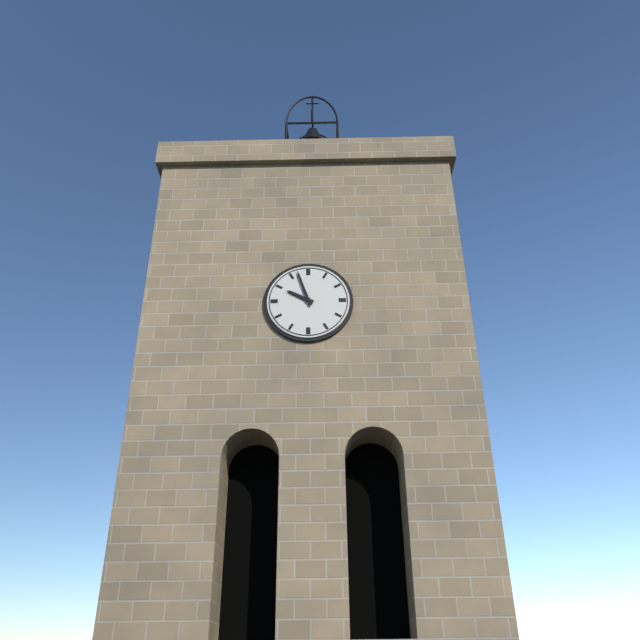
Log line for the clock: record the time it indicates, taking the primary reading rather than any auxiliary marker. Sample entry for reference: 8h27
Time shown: 9h57
